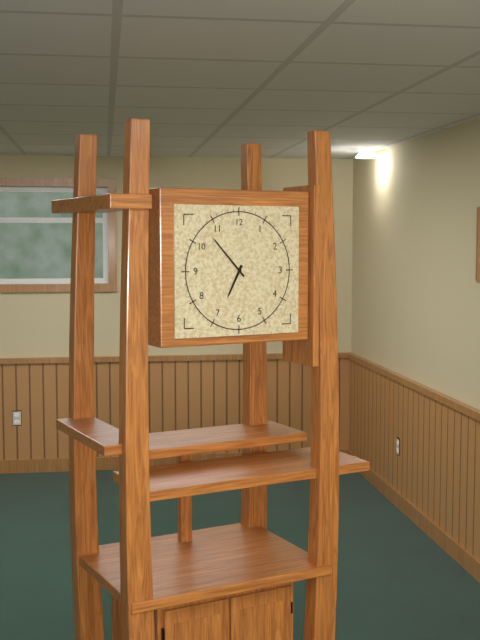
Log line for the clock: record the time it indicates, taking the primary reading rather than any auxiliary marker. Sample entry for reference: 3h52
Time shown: 6h53
